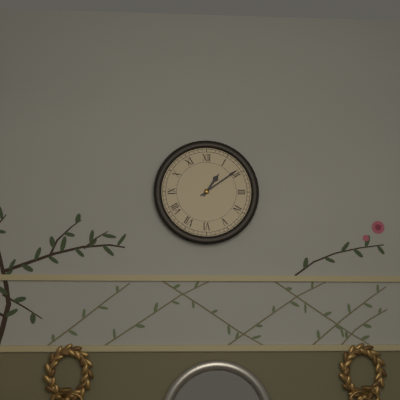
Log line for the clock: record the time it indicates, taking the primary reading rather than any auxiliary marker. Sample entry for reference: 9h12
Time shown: 1h09
